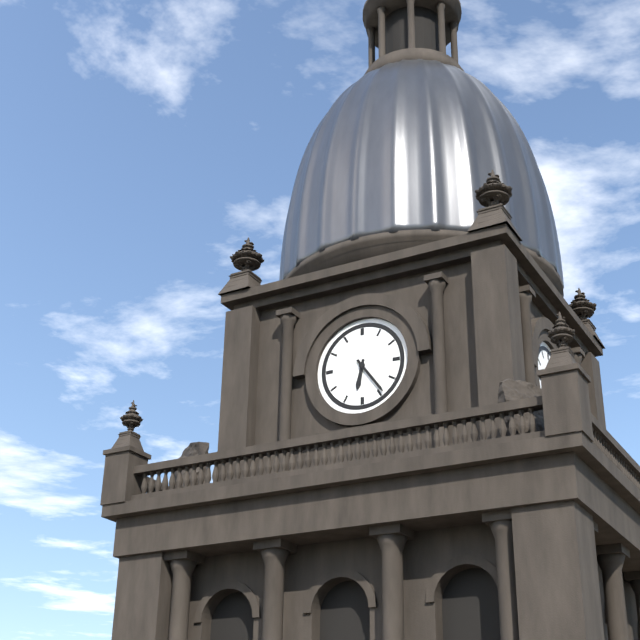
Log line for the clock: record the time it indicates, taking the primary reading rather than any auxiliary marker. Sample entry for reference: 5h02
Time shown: 6h24
